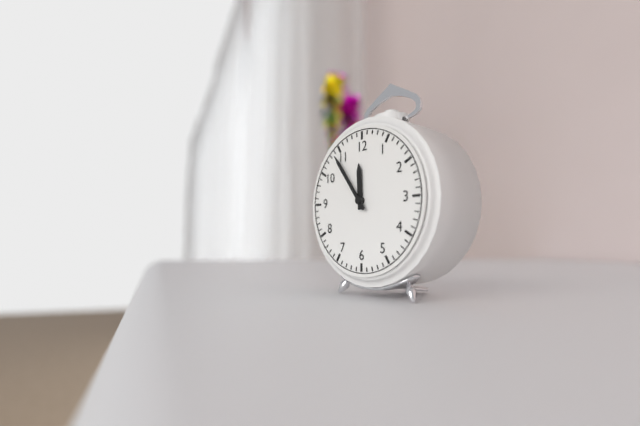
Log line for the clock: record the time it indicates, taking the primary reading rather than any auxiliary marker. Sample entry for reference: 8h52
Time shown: 11h54
